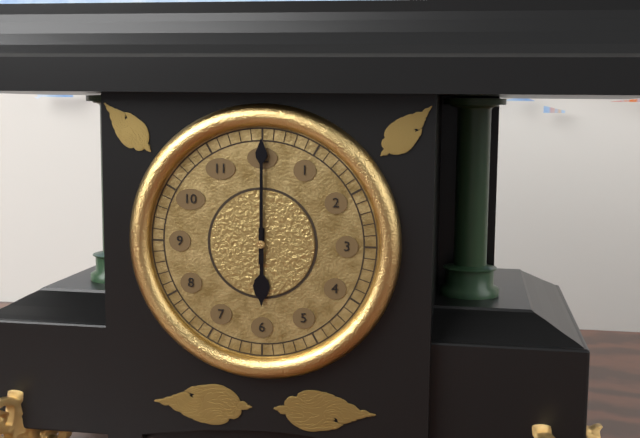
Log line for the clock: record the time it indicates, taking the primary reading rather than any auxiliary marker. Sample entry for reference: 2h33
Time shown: 6h00
